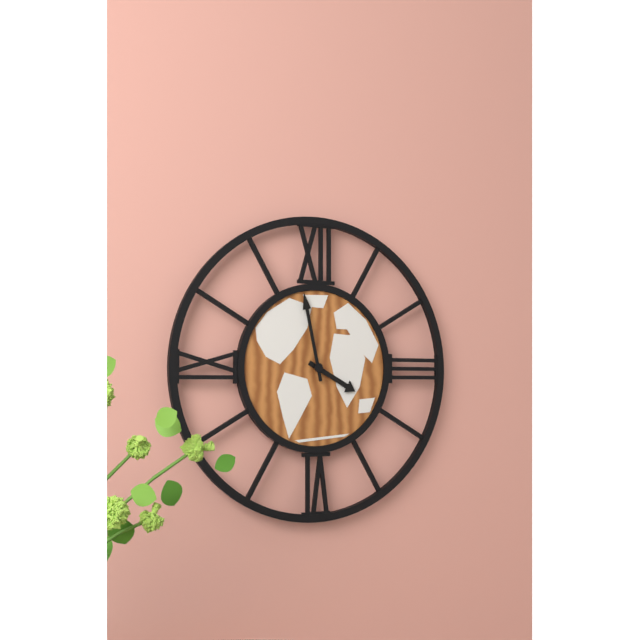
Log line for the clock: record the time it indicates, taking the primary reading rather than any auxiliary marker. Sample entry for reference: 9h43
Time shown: 3h58
